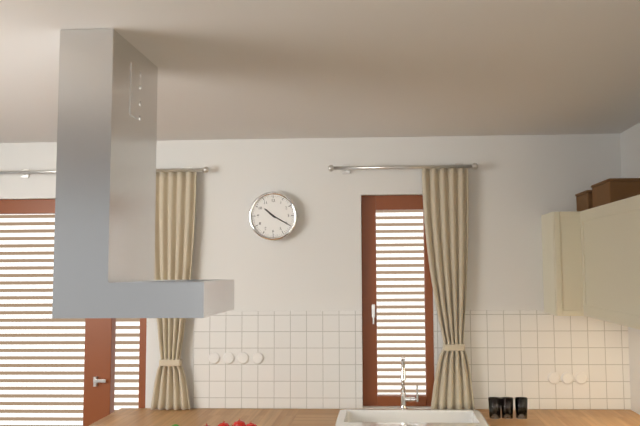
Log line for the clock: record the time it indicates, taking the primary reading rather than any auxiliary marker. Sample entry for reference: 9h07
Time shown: 10h20
